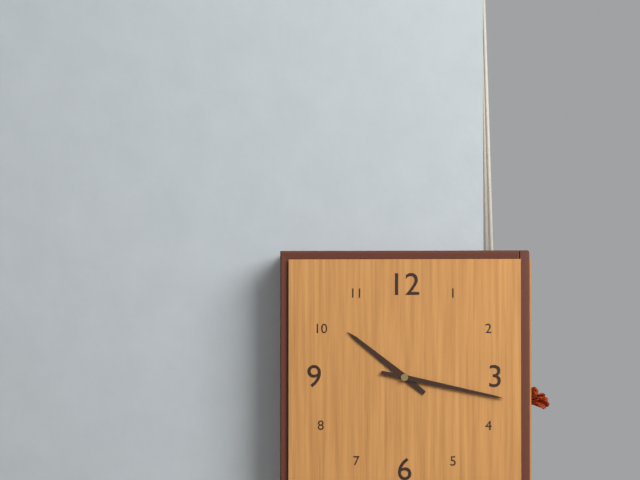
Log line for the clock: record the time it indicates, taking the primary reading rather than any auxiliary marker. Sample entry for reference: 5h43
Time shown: 10h17
